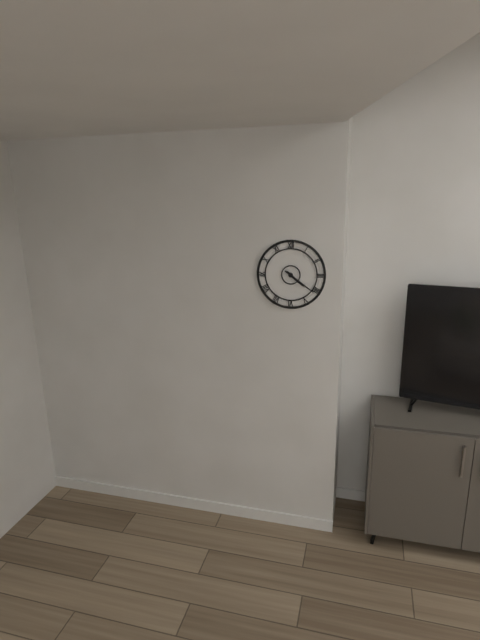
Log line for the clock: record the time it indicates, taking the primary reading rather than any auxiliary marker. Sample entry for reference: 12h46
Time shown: 4h21
